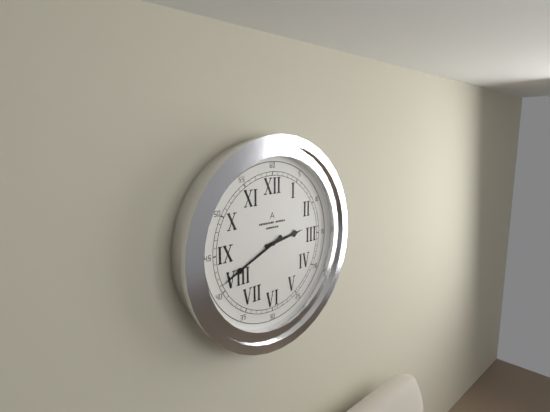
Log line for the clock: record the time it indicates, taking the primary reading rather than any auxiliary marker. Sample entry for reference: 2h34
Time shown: 2h41
